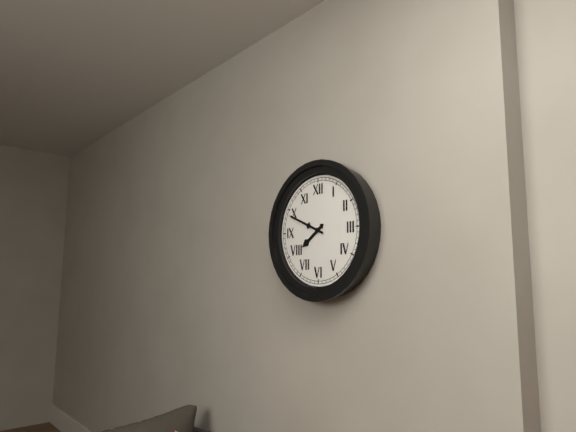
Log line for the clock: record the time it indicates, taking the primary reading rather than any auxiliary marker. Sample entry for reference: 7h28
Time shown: 7h49
